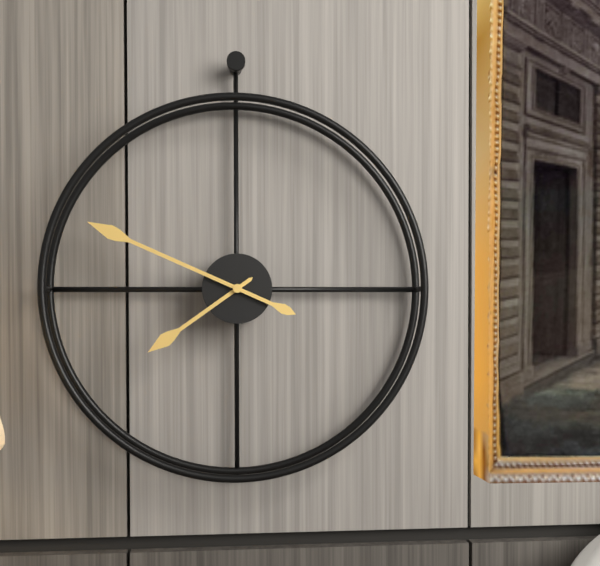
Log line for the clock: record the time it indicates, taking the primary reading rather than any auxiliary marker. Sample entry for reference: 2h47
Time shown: 7h49
